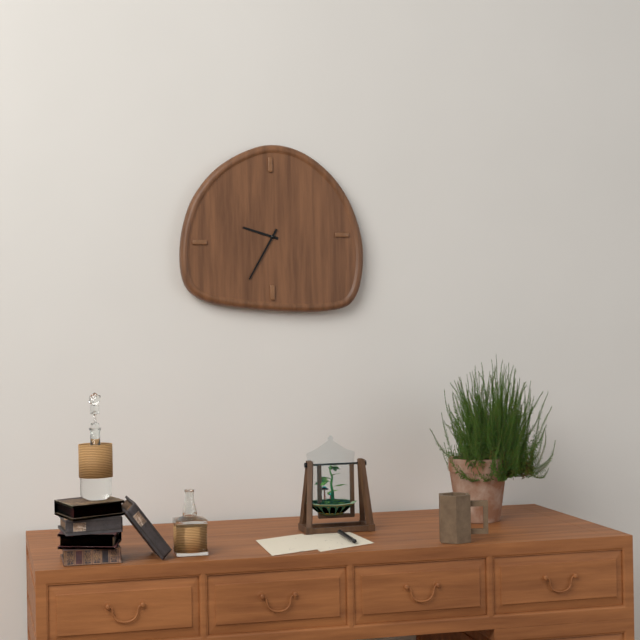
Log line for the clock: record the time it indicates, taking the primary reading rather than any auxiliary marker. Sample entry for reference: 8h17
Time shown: 9h35
